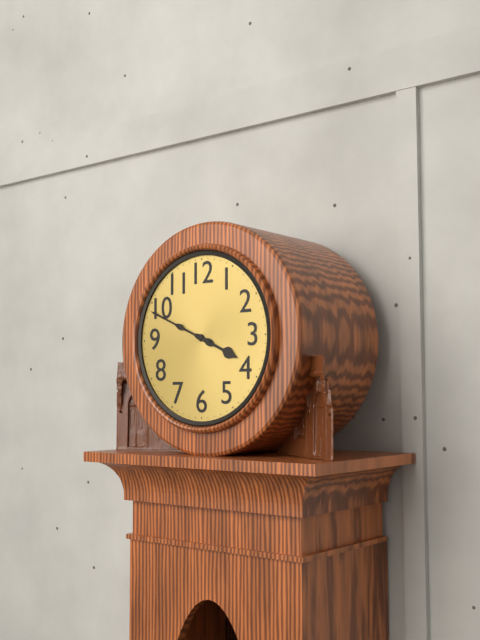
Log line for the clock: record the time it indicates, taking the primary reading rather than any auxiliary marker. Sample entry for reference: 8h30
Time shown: 3h49
